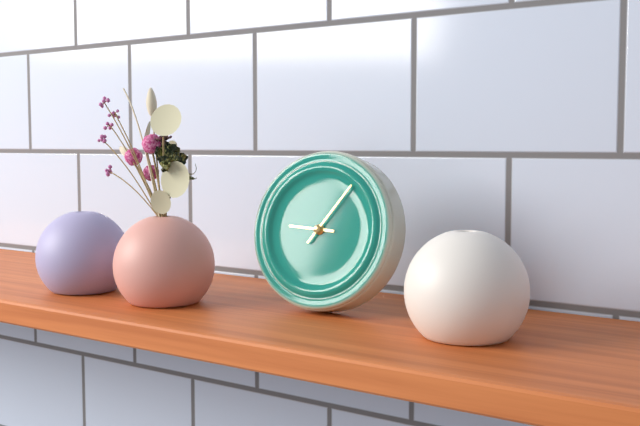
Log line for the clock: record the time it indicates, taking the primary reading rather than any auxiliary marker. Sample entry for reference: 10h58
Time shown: 9h06
